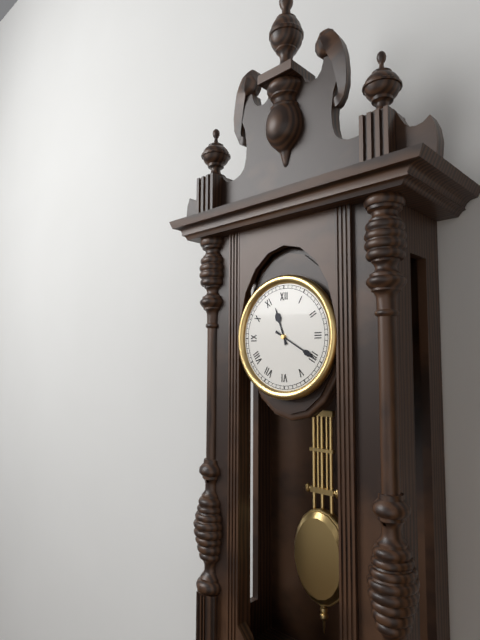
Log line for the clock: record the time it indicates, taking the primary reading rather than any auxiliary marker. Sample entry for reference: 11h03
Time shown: 11h20
